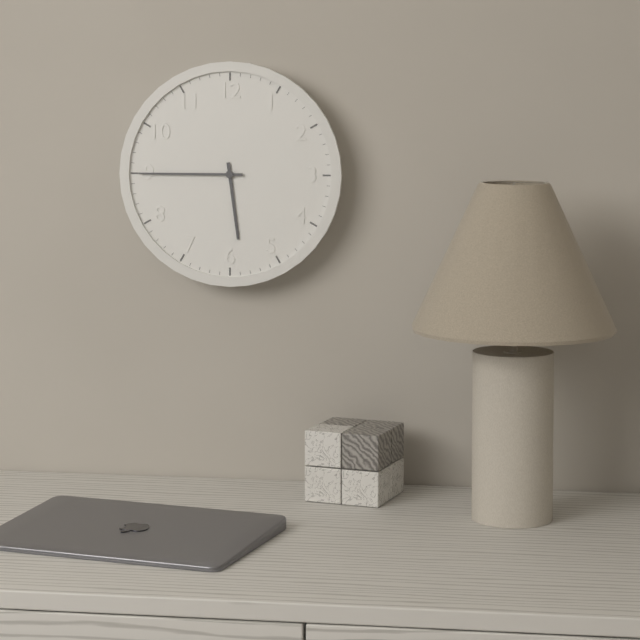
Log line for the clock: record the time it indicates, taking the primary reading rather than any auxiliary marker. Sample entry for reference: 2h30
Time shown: 5h45
